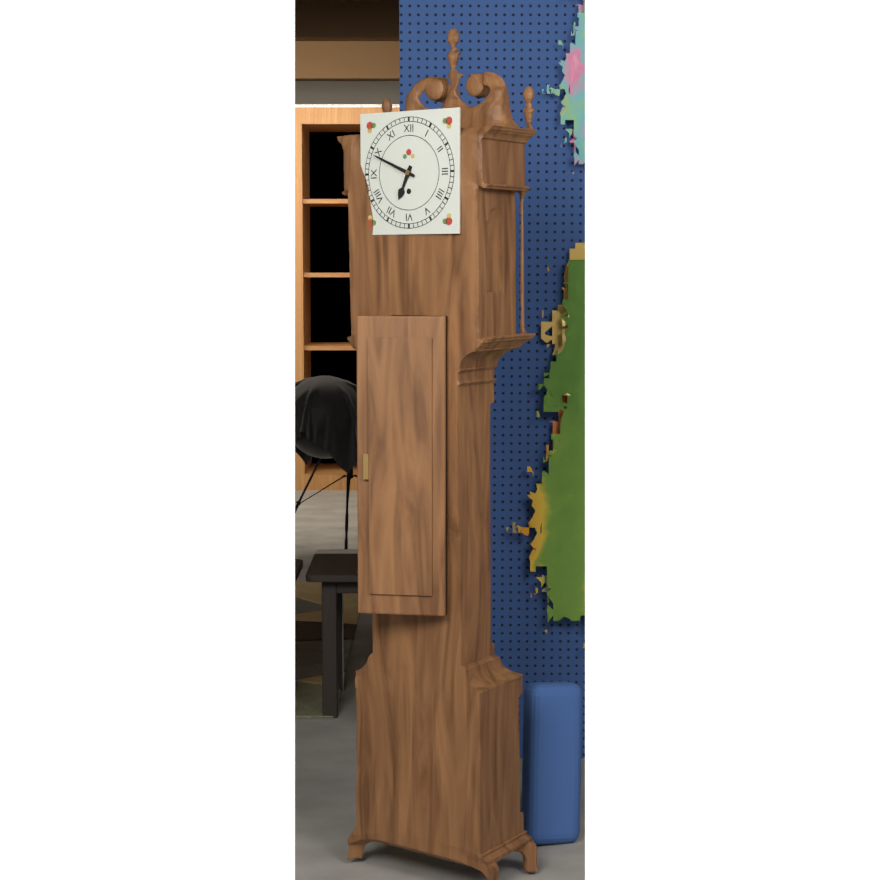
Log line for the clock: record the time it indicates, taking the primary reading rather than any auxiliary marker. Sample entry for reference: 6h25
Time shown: 6h49
